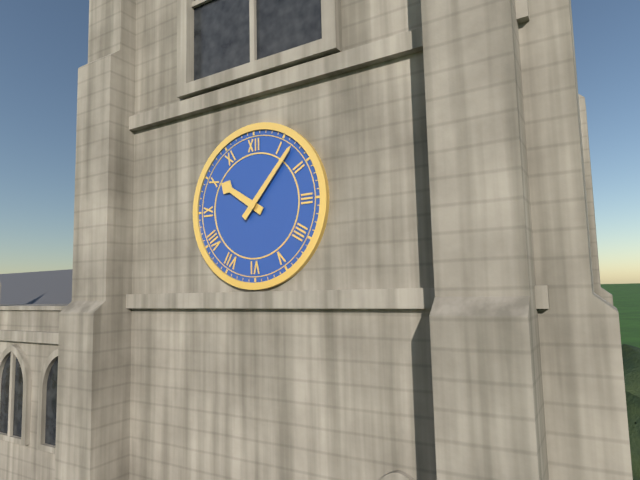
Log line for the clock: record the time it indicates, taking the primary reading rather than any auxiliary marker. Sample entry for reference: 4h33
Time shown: 10h07
